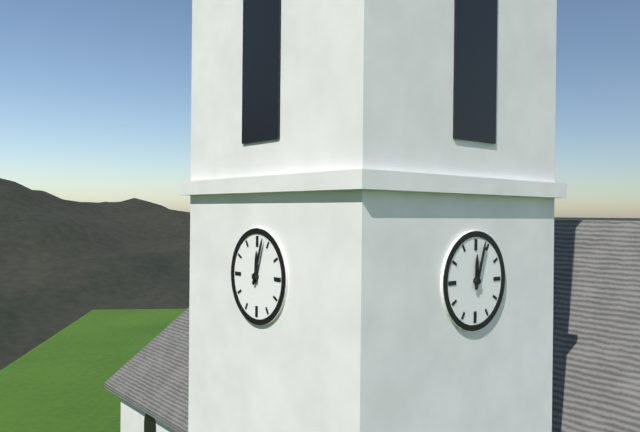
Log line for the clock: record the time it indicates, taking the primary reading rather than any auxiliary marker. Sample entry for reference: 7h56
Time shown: 12h03
